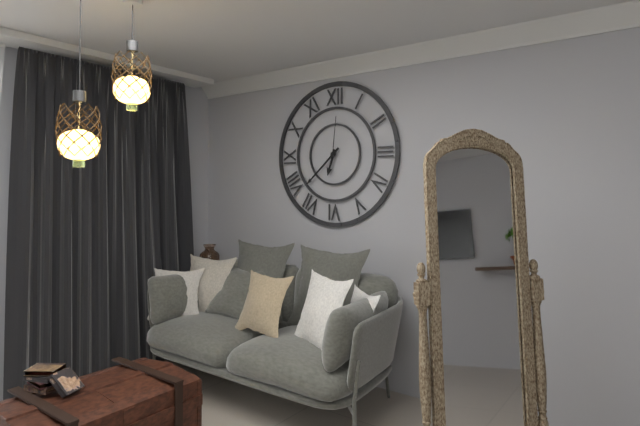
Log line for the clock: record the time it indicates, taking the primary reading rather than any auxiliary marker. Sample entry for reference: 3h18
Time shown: 6h38
